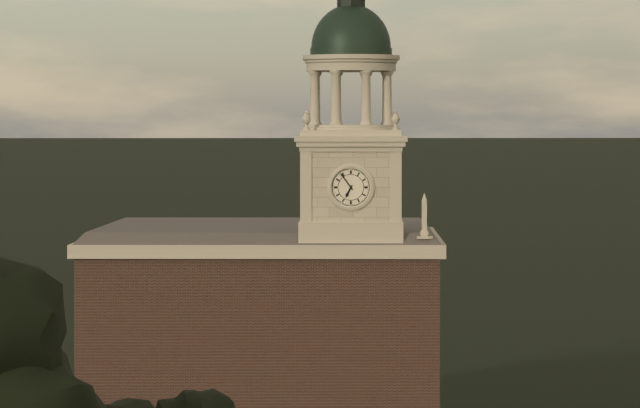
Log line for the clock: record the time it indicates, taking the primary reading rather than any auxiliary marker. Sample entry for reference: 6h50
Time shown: 6h54
